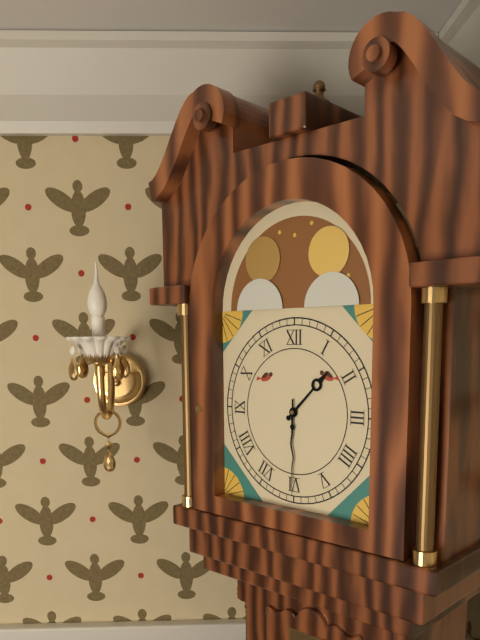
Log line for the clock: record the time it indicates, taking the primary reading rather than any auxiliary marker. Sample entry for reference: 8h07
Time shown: 1h30
